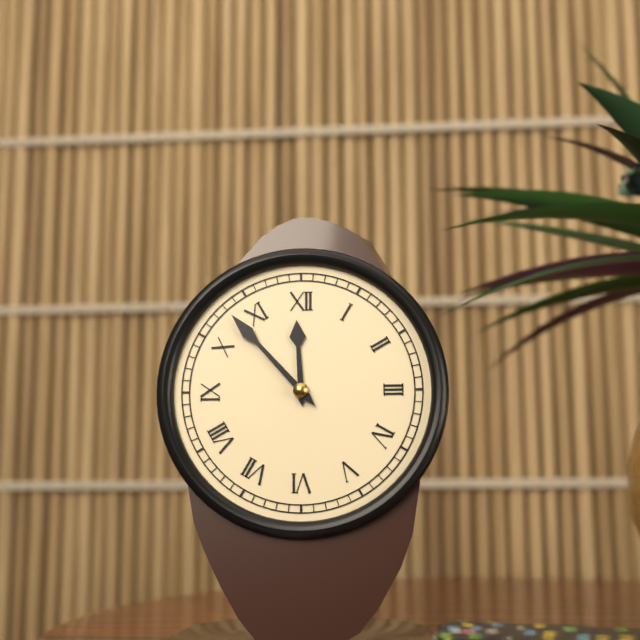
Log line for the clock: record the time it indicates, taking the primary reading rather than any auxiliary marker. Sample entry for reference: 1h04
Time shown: 11h53
